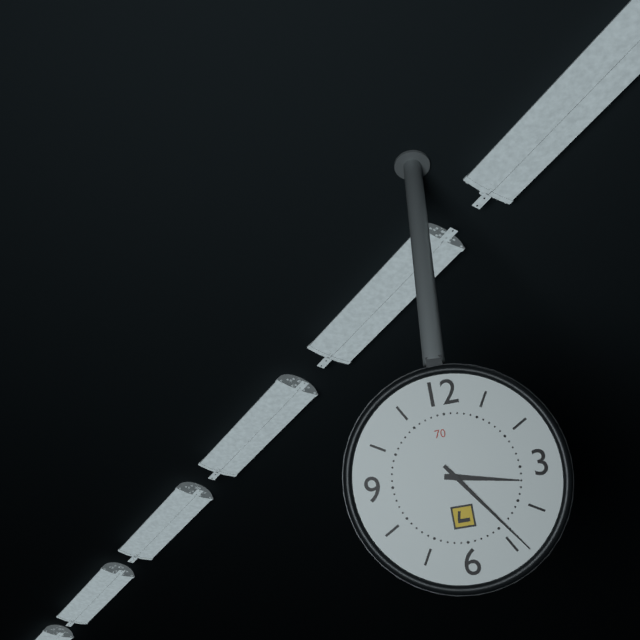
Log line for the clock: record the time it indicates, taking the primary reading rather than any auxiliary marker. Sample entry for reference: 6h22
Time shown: 3h24
